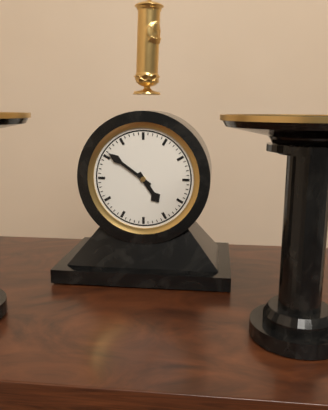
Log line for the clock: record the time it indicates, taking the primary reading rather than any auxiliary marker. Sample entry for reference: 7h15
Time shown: 4h51
